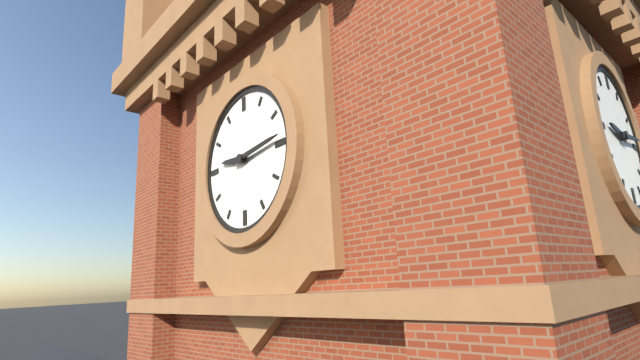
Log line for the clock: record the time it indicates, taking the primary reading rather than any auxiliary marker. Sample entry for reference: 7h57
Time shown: 9h14
